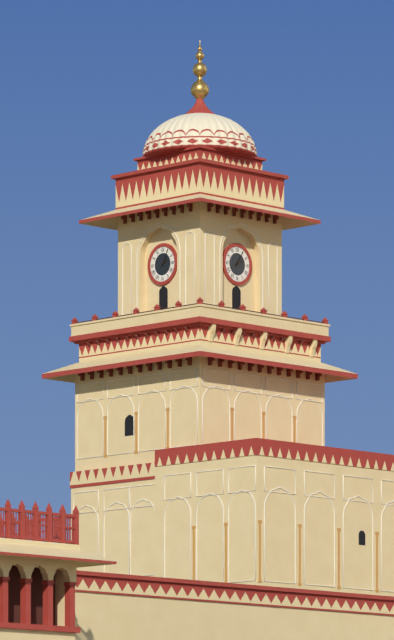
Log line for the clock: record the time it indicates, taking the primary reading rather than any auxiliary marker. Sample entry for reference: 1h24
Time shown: 2h05
